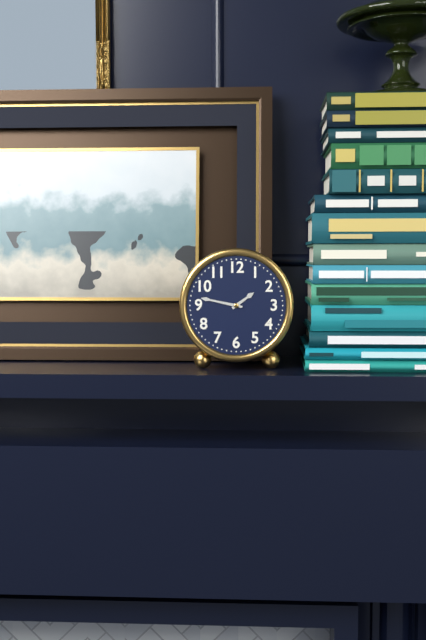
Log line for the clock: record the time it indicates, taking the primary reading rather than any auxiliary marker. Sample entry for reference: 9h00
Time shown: 1h47
